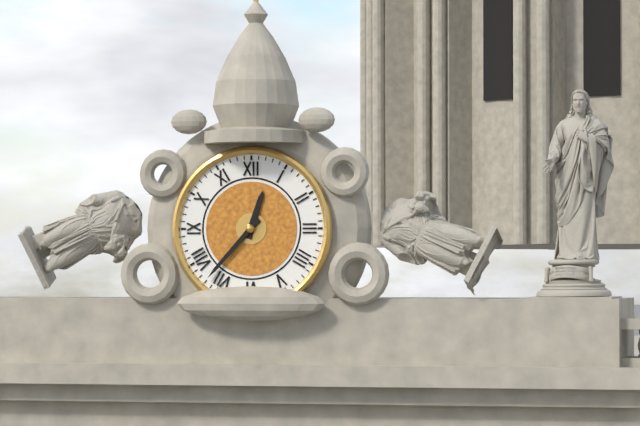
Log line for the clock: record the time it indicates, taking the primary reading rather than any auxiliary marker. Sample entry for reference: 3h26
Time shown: 12h37
